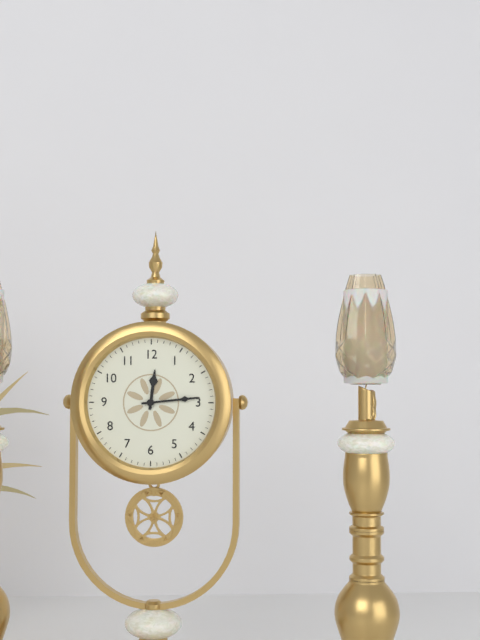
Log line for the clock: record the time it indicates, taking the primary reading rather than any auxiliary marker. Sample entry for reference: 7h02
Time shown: 12h14
